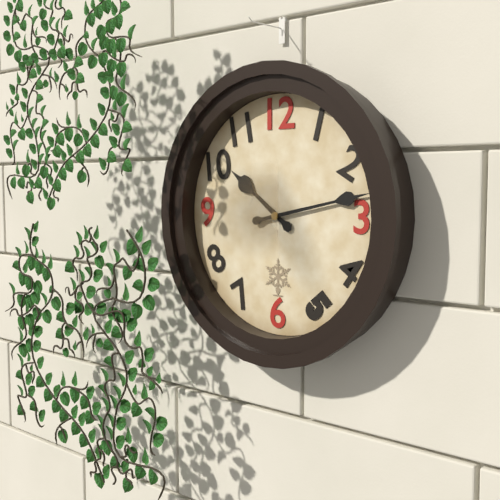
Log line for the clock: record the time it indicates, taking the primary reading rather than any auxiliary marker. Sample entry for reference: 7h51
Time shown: 10h13
